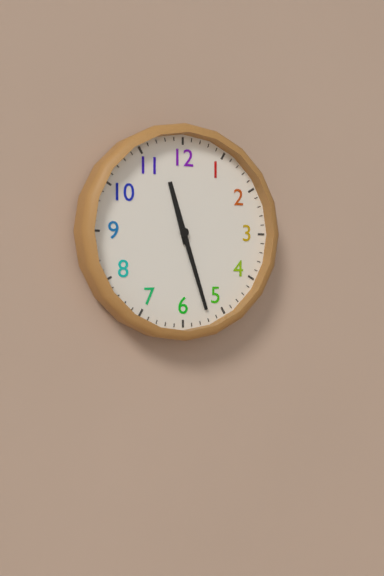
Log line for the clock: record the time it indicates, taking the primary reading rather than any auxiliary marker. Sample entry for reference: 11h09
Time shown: 11h27
